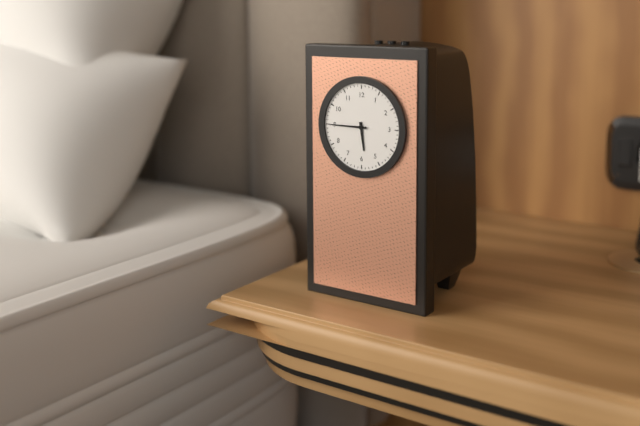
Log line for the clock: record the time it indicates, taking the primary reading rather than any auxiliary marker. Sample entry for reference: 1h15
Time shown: 5h45
